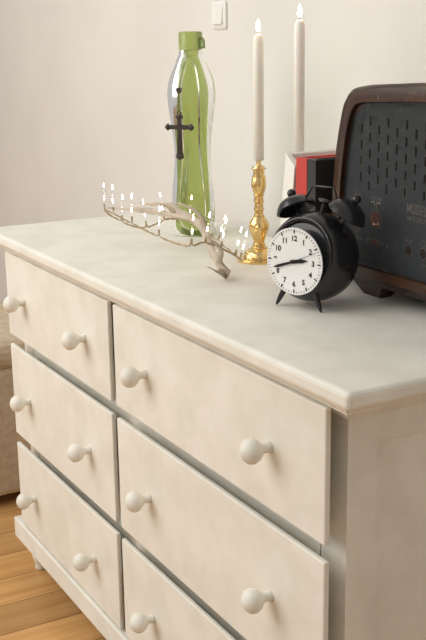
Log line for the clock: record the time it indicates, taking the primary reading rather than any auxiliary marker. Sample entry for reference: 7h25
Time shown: 2h42
